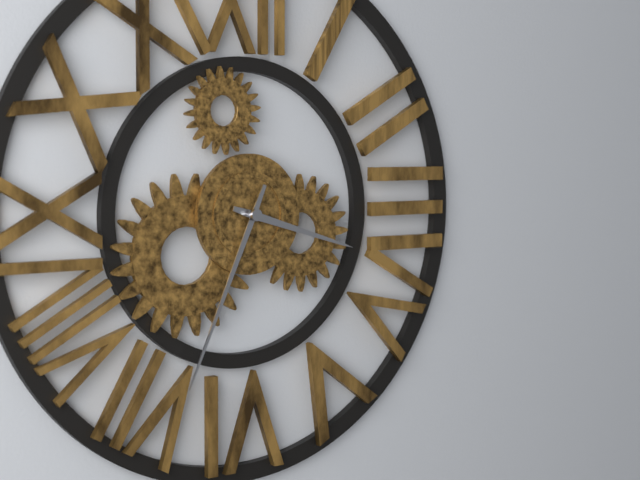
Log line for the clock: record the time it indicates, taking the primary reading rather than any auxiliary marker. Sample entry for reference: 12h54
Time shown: 3h34
